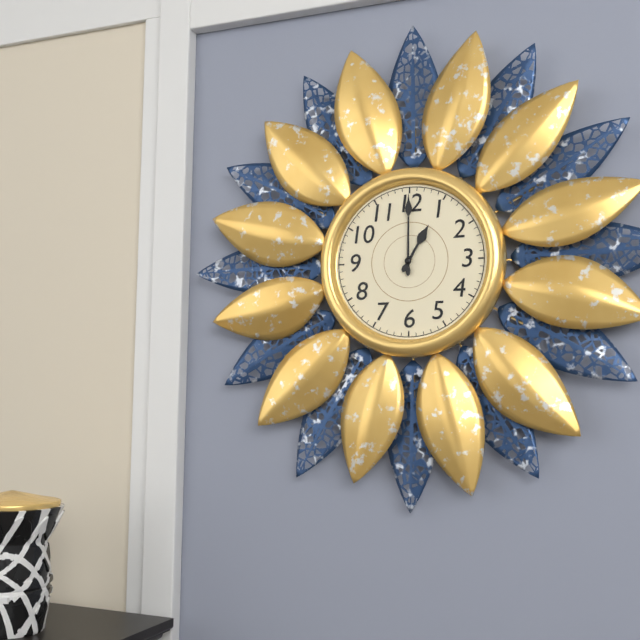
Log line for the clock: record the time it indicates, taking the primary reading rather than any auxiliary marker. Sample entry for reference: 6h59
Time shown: 1h00
